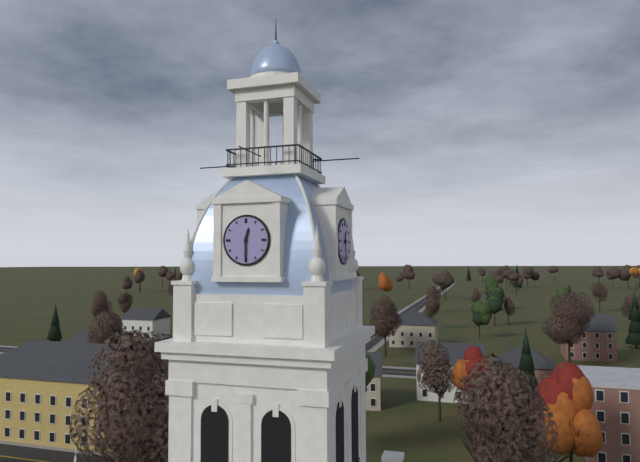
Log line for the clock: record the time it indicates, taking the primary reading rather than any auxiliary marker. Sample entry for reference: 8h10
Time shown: 12h30
